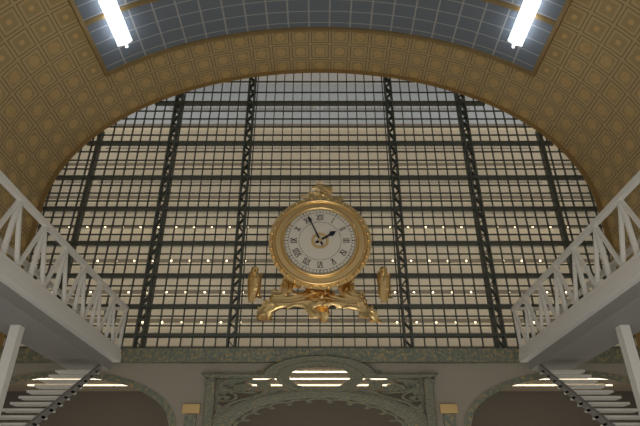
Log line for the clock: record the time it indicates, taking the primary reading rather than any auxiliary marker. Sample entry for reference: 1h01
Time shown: 1h56
